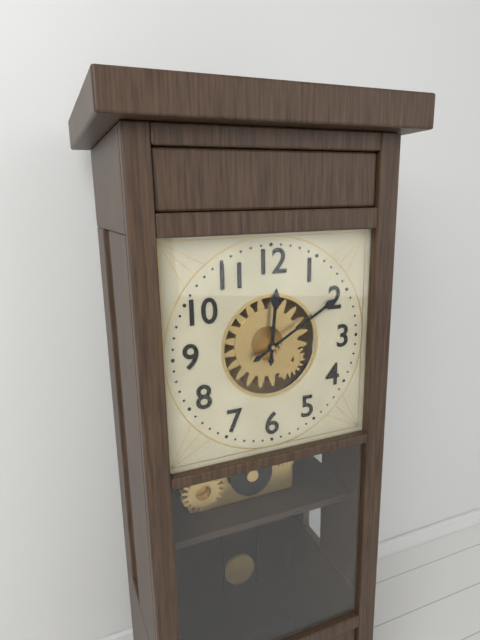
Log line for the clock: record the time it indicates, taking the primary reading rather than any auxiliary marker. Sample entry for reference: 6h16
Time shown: 12h10
